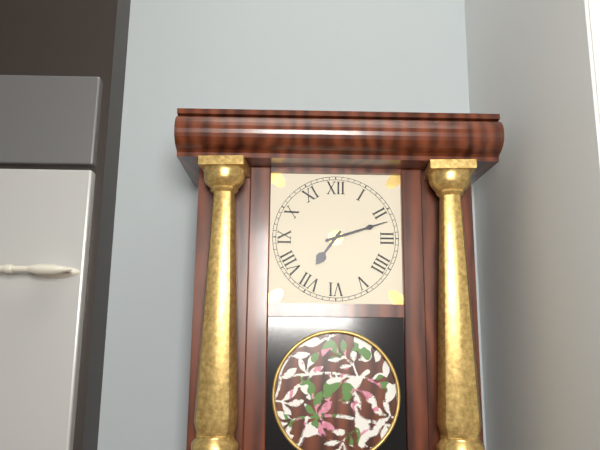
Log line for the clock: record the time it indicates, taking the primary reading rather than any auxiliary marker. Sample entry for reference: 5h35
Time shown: 7h12
